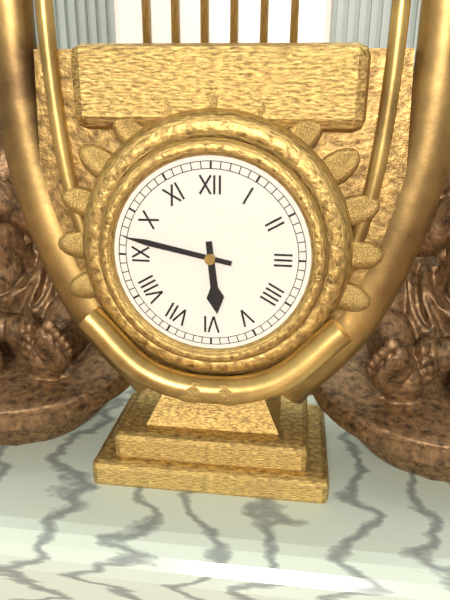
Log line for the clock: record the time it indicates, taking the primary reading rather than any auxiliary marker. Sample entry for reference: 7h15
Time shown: 5h47
